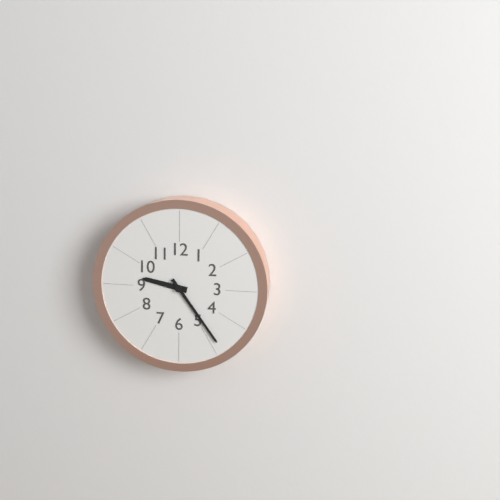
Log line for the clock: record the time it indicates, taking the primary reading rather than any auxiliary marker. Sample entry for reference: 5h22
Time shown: 9h24
